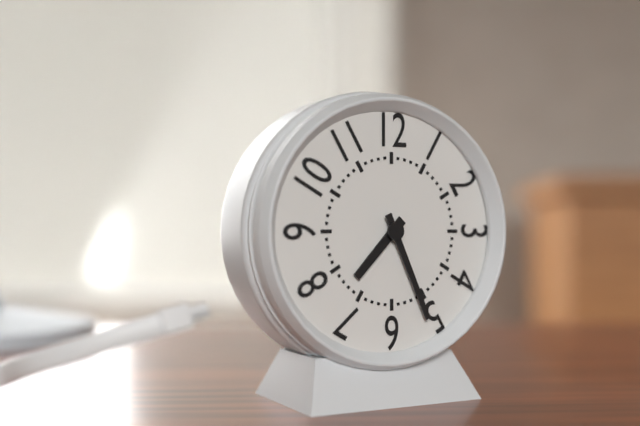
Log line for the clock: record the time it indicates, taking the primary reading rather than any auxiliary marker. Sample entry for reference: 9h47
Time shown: 7h26
